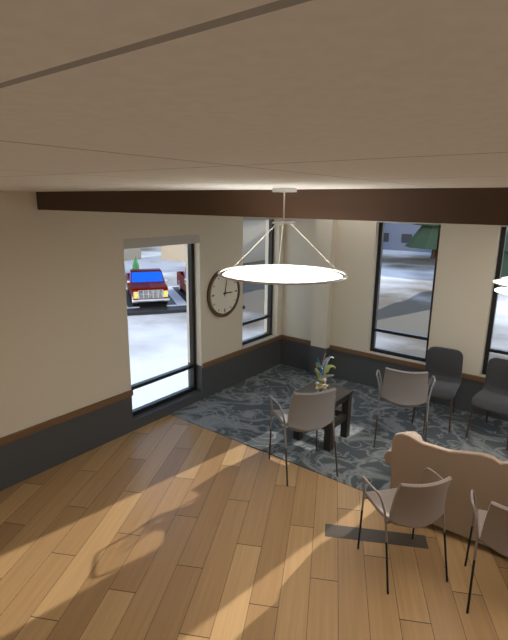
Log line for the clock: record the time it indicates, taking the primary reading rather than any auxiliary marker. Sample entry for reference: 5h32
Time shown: 3h02
